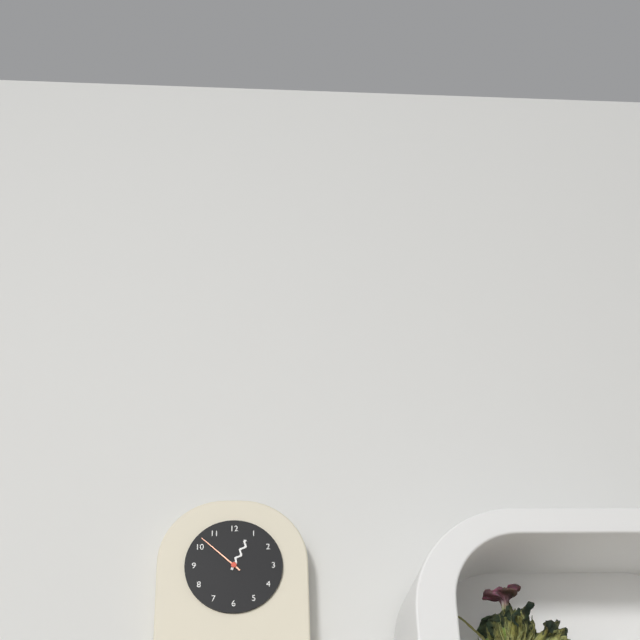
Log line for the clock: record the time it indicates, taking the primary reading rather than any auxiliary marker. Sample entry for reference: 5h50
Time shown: 12h52
